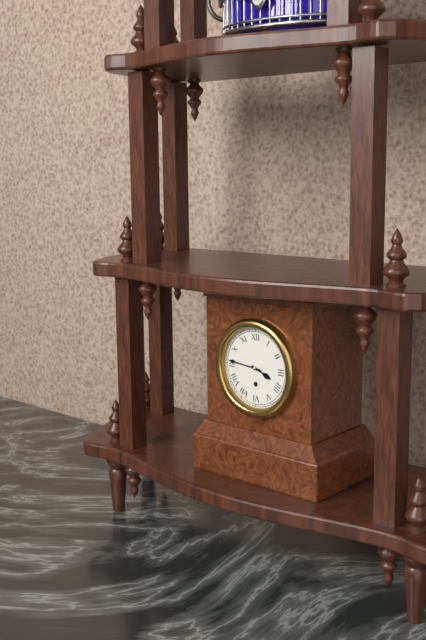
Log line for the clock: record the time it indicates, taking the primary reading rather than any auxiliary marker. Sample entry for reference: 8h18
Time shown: 3h46
